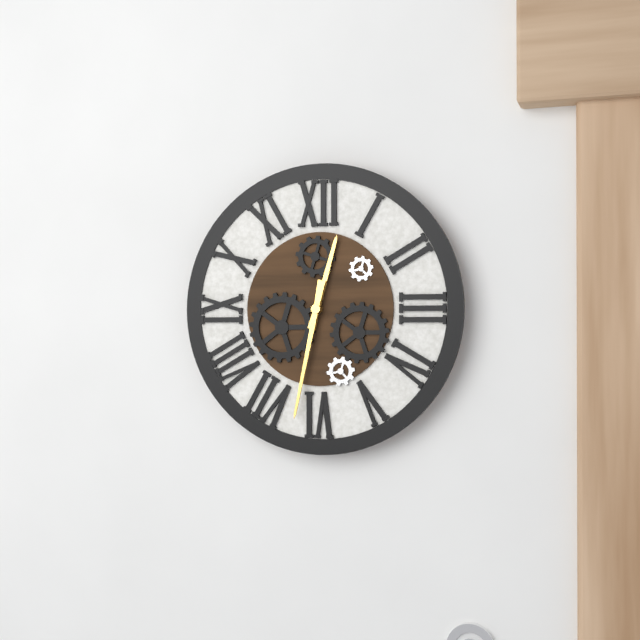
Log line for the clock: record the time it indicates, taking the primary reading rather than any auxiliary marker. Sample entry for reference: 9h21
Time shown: 12h32
